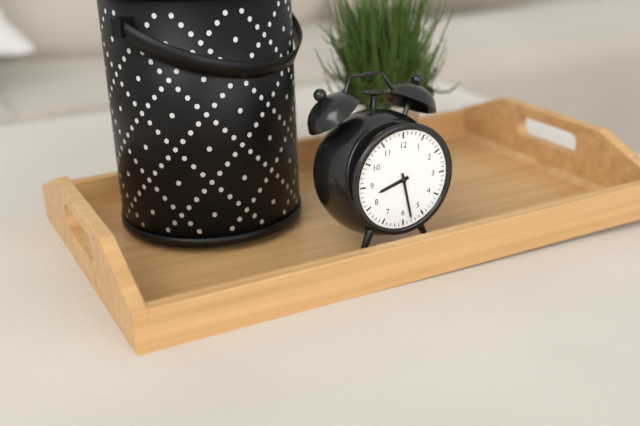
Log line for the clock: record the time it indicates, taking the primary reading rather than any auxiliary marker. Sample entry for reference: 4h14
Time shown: 8h28
